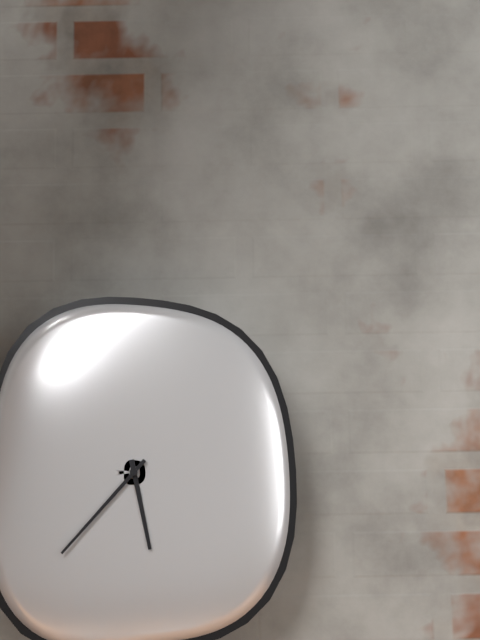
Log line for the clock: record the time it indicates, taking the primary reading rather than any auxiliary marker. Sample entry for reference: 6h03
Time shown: 5h37
